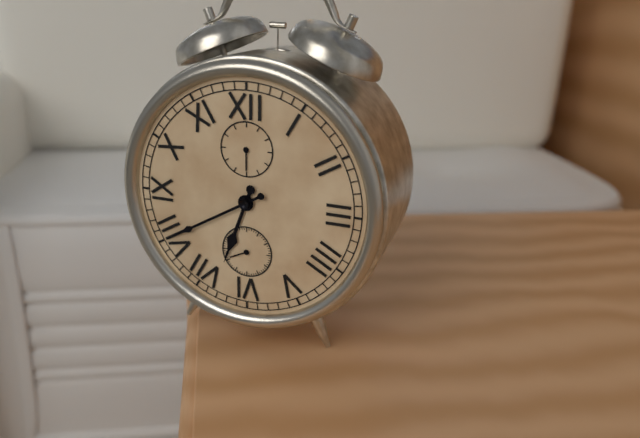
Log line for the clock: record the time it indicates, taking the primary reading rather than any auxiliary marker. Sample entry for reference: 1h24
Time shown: 6h40
